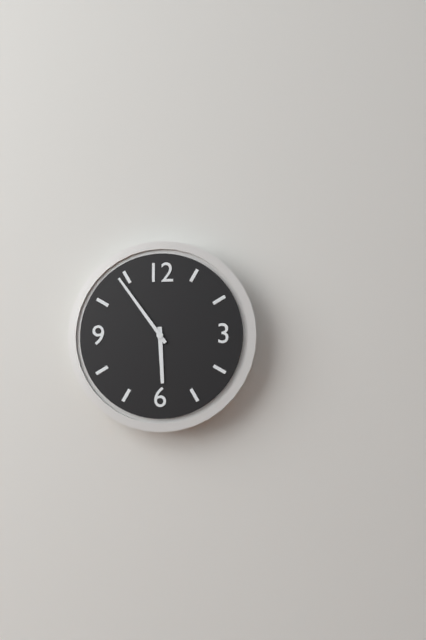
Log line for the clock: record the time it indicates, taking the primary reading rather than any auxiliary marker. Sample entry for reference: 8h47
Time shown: 5h54
